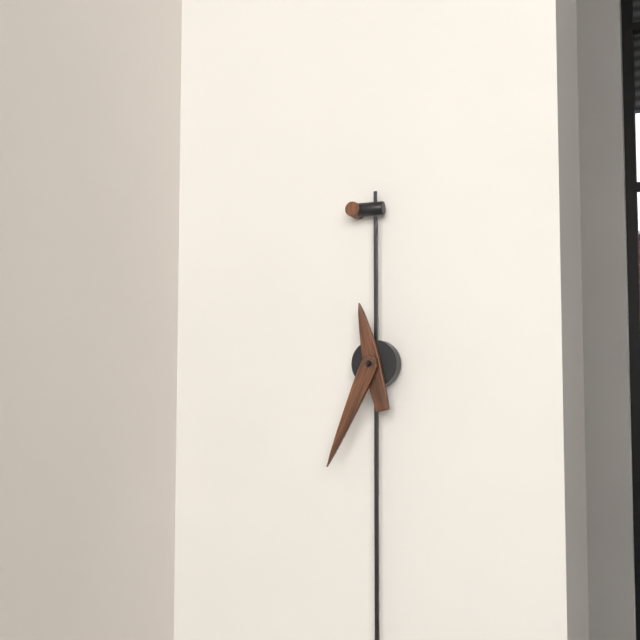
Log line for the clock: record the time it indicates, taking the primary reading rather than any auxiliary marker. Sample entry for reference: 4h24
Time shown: 11h34
